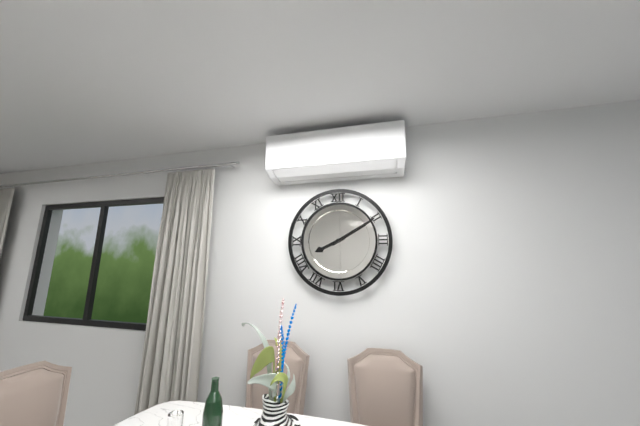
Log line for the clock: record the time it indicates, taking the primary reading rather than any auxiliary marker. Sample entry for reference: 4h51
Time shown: 8h10
